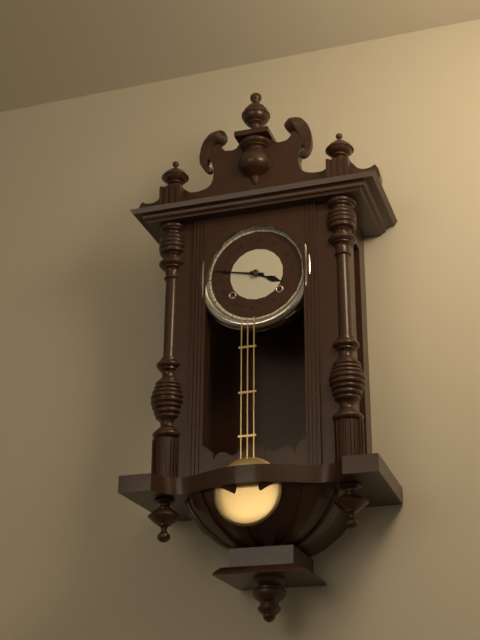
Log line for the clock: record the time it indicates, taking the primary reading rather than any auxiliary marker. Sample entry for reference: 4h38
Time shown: 3h47
